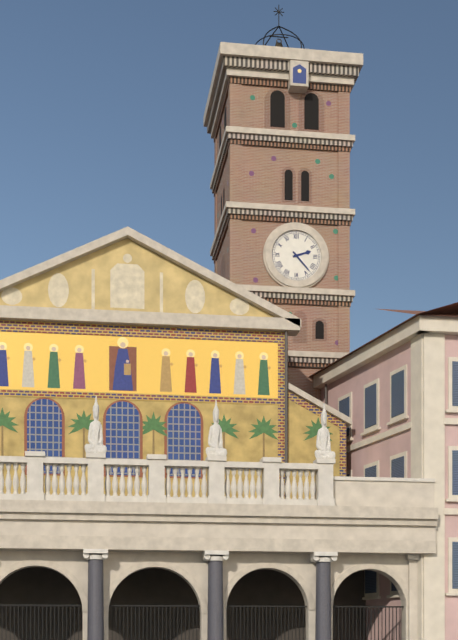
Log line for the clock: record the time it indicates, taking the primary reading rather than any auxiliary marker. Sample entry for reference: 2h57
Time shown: 2h23
